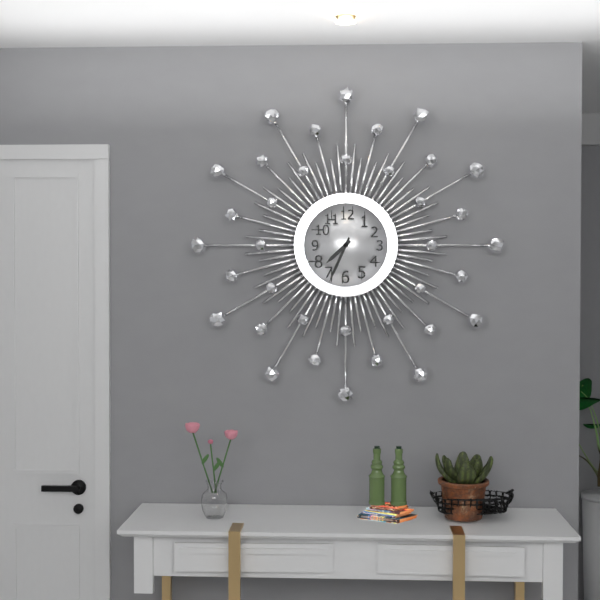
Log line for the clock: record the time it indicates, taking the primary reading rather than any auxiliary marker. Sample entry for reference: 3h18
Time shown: 7h34
